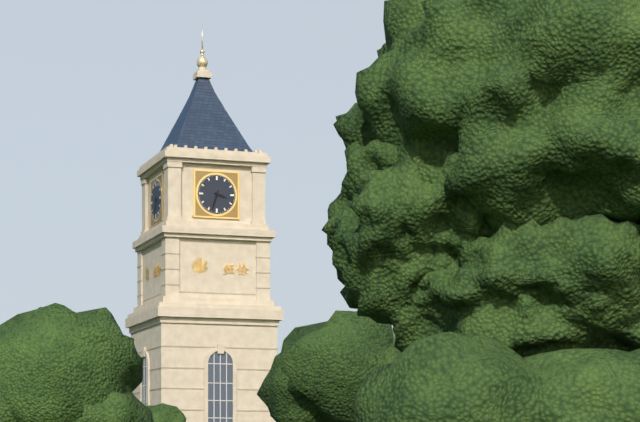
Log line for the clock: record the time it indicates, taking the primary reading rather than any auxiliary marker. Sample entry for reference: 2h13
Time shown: 3h33
